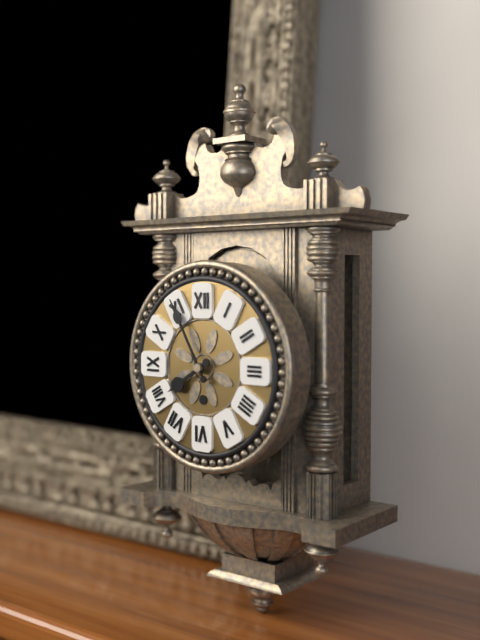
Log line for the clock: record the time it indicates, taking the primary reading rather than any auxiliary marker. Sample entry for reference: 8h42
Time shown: 7h55
